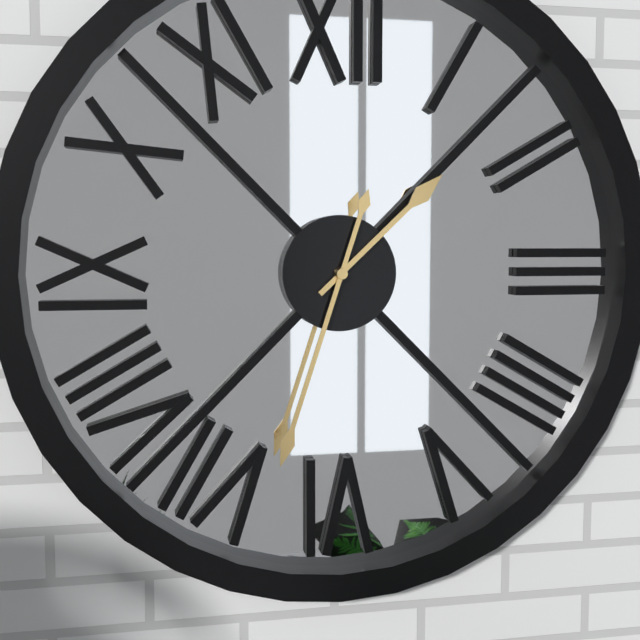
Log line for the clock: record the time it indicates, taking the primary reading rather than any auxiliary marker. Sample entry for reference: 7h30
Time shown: 1h33
